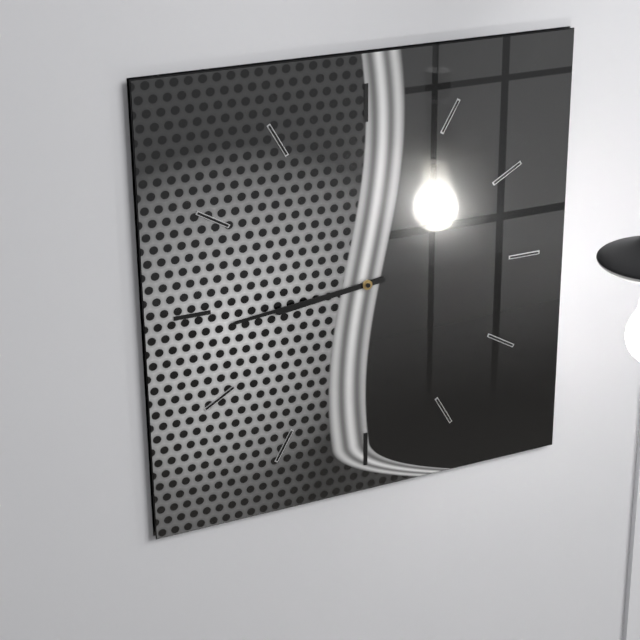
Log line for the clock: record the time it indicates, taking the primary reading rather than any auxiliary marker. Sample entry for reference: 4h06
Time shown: 8h44
